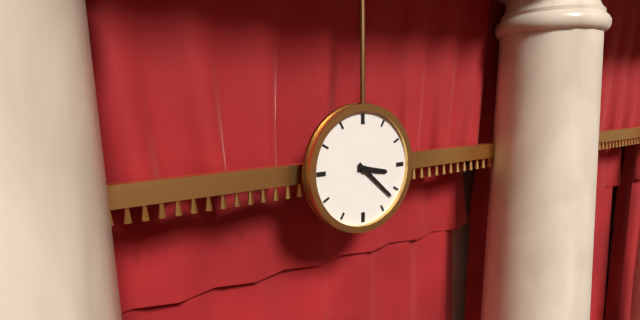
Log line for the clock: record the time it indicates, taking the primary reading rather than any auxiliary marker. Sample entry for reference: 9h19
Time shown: 3h22
